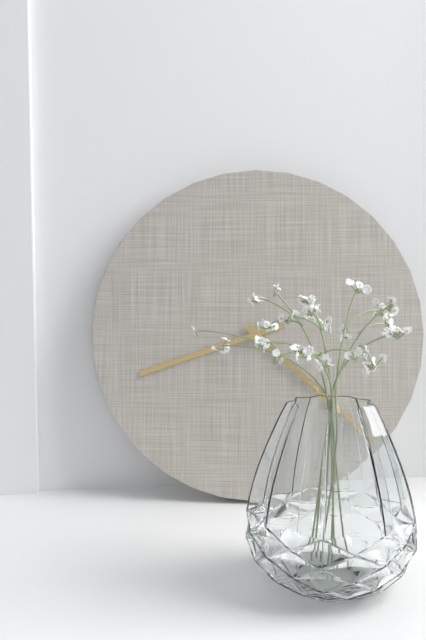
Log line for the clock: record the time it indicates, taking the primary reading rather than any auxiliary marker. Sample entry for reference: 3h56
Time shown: 8h22
